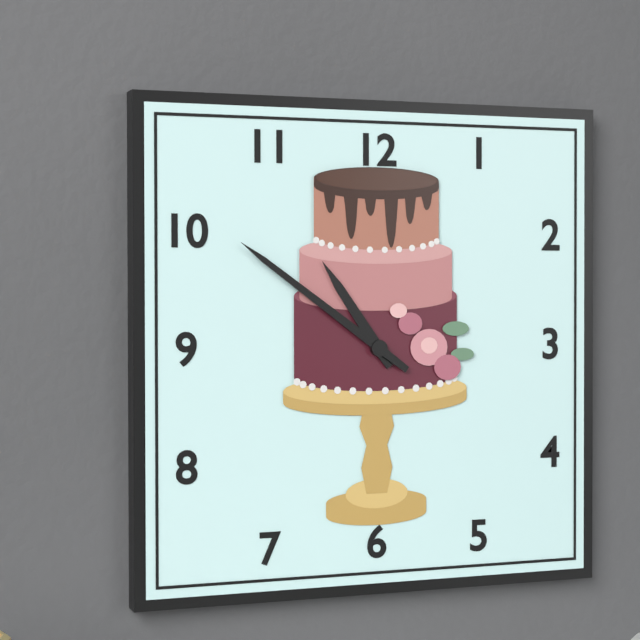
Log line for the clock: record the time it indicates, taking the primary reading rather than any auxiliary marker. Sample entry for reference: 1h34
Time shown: 10h51
